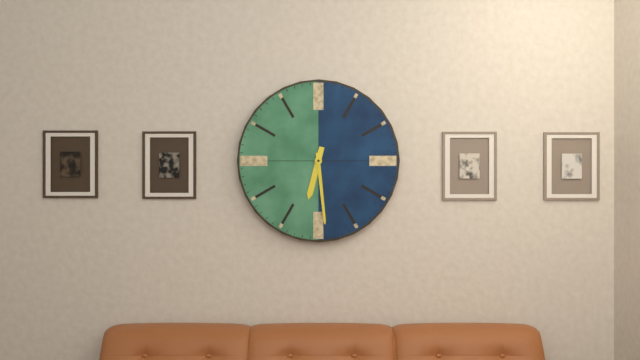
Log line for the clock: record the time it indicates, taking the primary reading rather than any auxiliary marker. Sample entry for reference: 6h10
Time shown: 6h29
